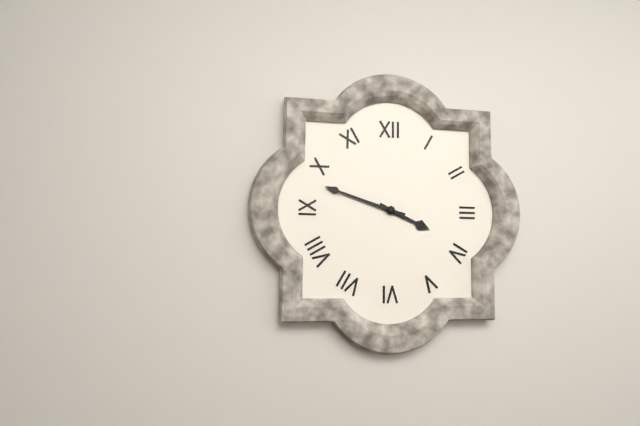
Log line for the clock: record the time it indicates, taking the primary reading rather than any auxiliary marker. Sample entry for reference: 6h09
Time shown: 3h48
